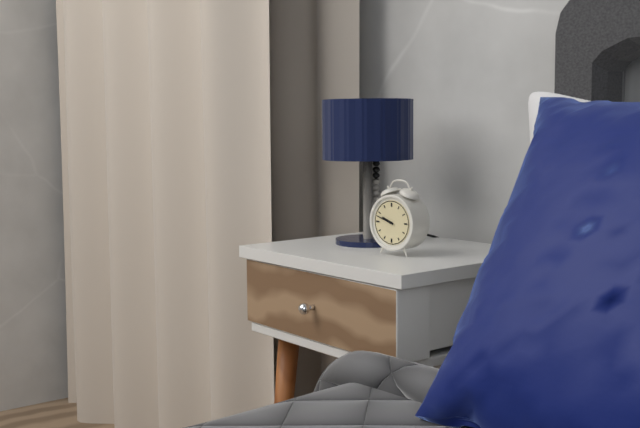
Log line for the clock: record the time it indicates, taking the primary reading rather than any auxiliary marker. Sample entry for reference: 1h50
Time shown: 9h48
